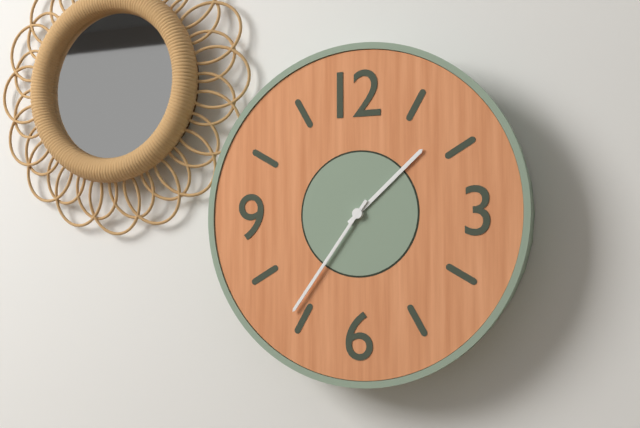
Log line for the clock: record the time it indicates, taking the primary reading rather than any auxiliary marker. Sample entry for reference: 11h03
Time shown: 1h36
